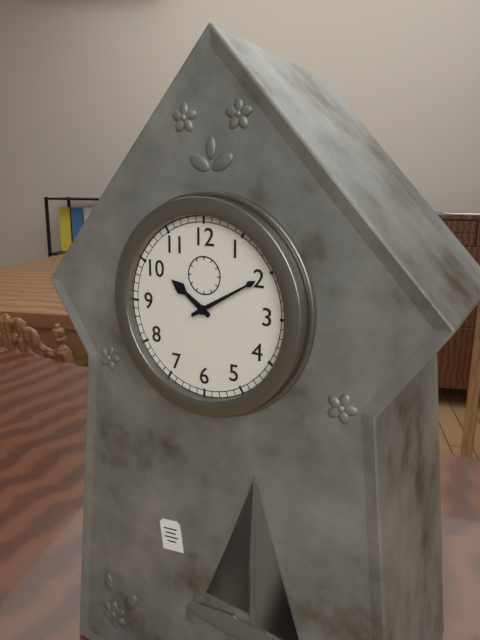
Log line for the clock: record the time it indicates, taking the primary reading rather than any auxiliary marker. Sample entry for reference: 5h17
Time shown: 10h10
